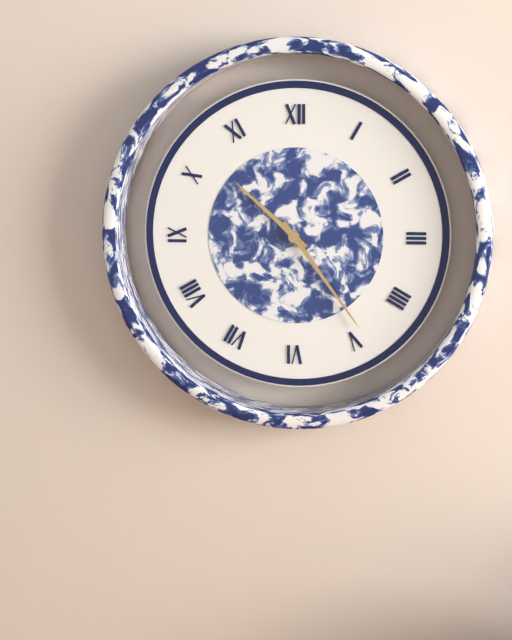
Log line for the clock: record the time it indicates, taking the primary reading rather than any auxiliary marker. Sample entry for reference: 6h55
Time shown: 10h24
